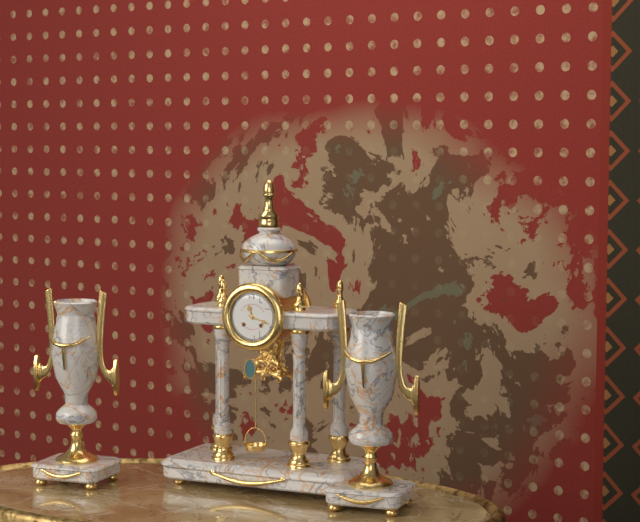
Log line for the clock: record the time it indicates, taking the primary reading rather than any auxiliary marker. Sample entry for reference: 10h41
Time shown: 11h18
